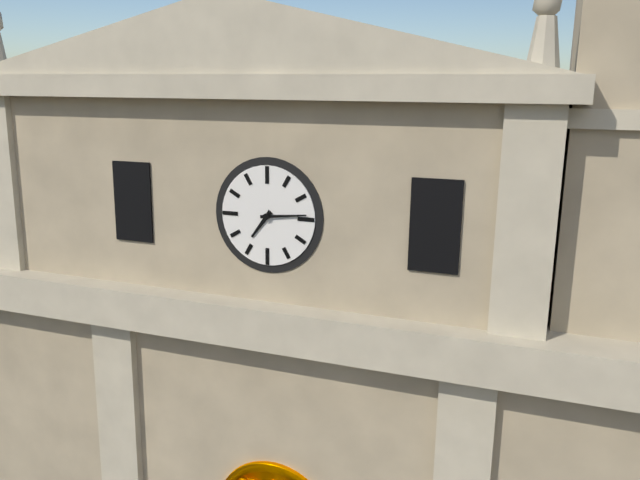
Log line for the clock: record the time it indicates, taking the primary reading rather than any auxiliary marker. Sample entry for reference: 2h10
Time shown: 7h14
